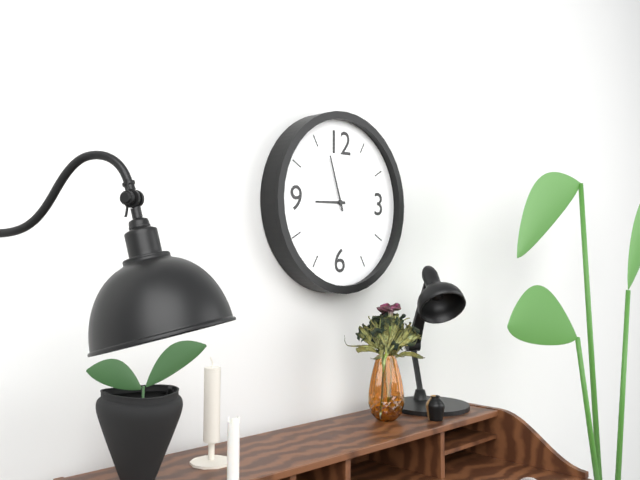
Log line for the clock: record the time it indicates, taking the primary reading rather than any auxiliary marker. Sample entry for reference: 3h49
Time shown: 8h57
